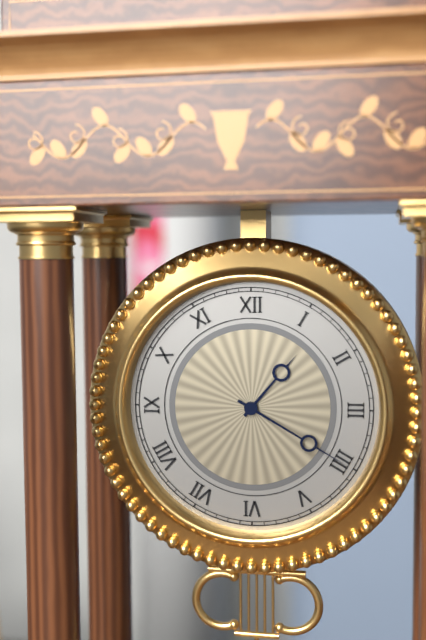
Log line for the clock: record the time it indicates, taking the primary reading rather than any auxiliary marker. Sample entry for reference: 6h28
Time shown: 1h20
